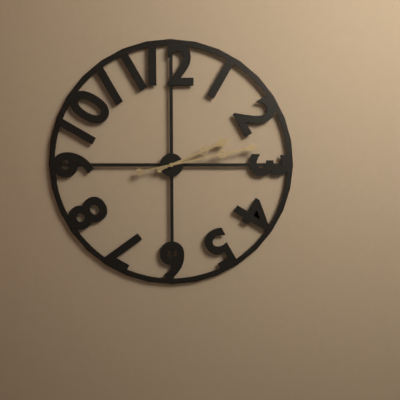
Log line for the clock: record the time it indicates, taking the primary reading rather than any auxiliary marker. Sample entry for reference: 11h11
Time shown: 2h13
